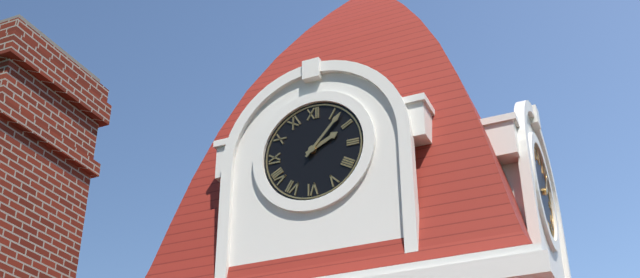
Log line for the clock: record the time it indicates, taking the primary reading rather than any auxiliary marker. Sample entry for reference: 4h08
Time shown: 2h07
